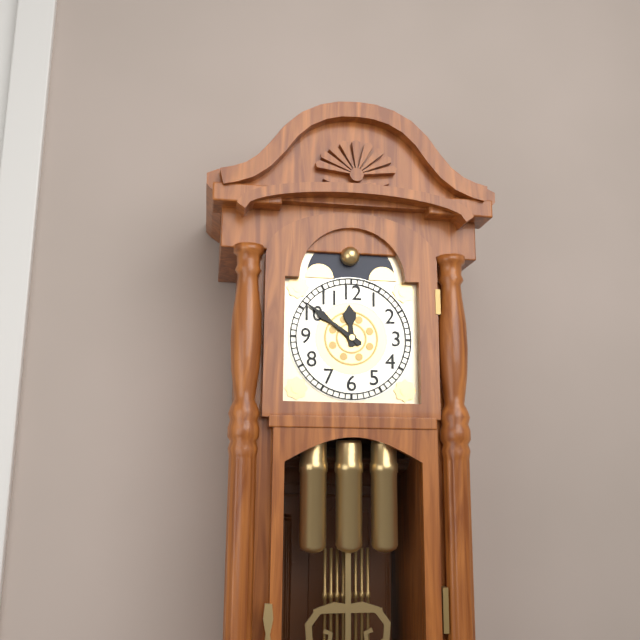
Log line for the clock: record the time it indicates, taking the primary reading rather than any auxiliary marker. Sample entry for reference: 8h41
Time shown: 11h51
